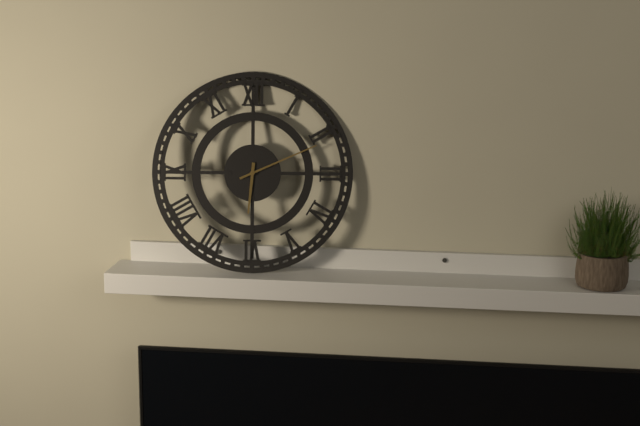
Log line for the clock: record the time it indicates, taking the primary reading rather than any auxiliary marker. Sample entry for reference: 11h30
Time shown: 6h11
